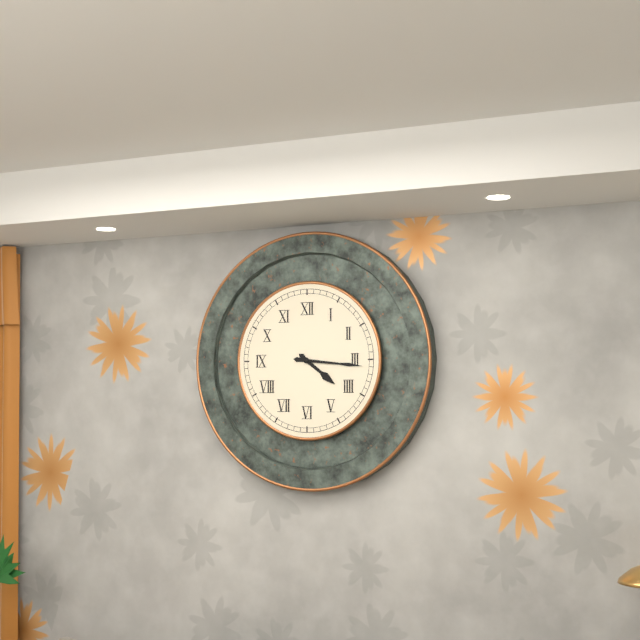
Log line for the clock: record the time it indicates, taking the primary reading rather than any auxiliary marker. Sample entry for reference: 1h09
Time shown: 4h16
